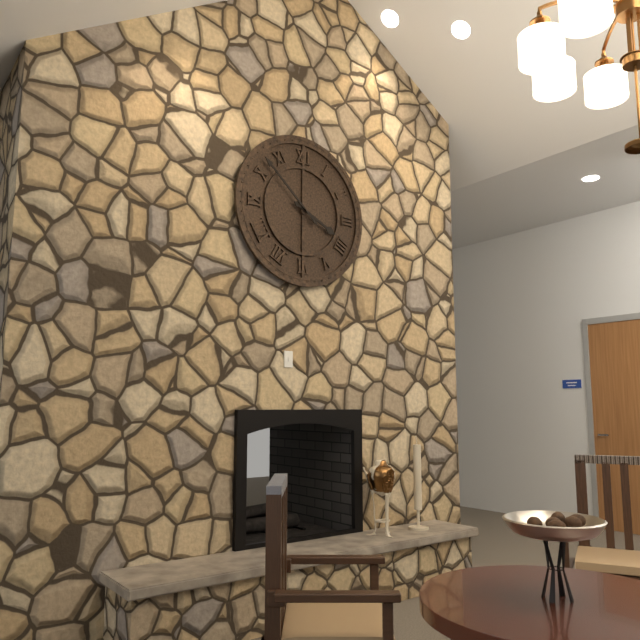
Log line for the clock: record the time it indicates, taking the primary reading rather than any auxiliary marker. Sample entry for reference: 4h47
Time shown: 3h52
